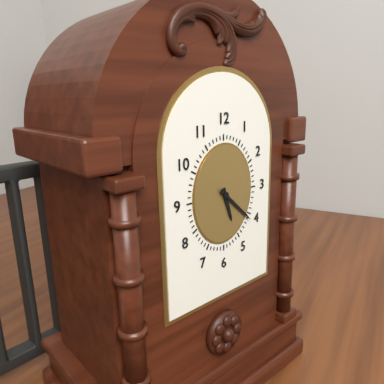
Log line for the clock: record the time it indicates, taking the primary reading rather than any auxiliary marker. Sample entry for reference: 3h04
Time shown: 5h22
